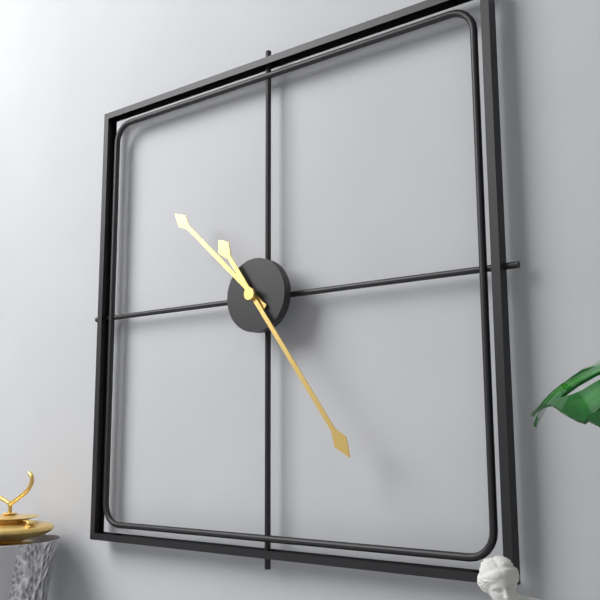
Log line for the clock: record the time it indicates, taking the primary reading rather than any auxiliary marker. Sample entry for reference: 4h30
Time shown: 10h24
